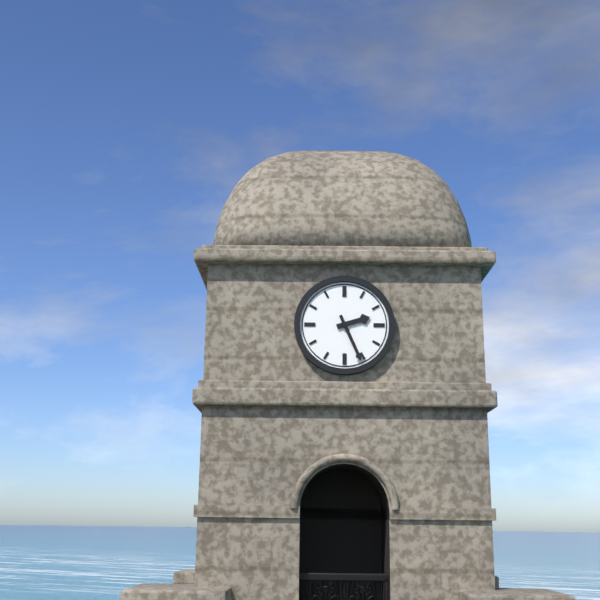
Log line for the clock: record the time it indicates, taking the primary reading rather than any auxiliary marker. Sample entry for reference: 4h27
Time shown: 2h26
